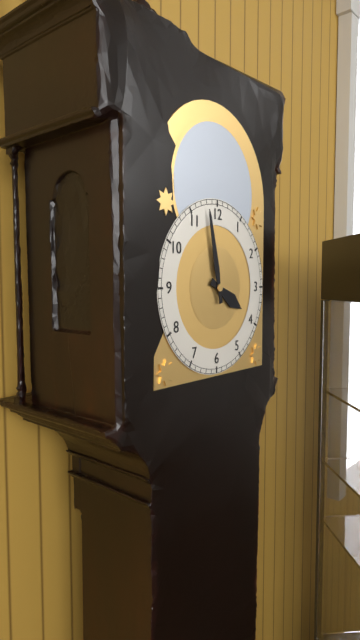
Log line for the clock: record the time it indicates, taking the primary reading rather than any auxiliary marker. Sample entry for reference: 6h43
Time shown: 3h58
